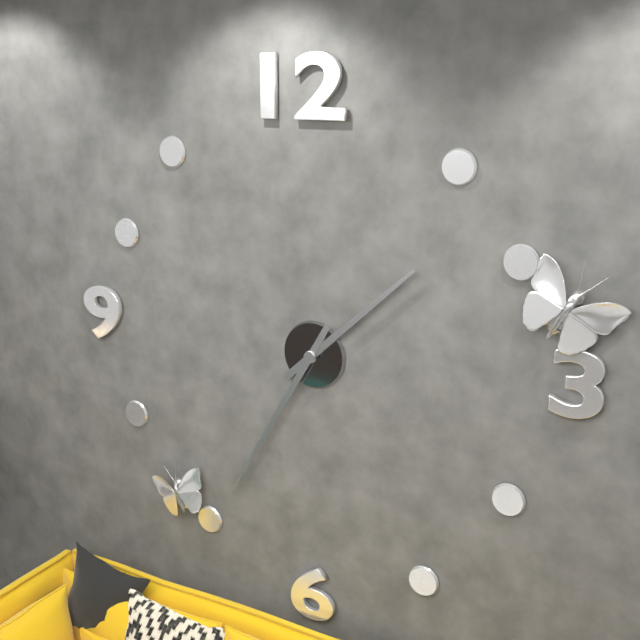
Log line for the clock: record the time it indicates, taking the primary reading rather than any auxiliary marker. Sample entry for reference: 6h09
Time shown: 1h35
